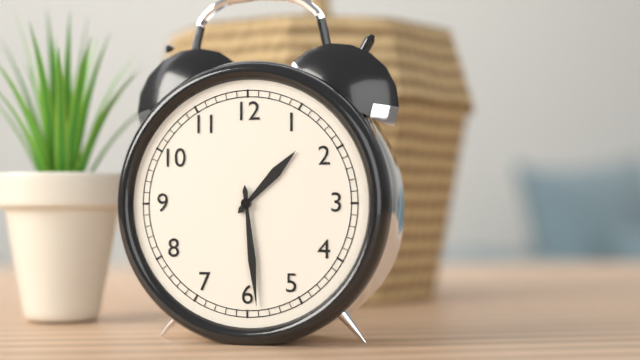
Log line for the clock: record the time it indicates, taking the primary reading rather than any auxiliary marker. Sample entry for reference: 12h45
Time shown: 1h29
